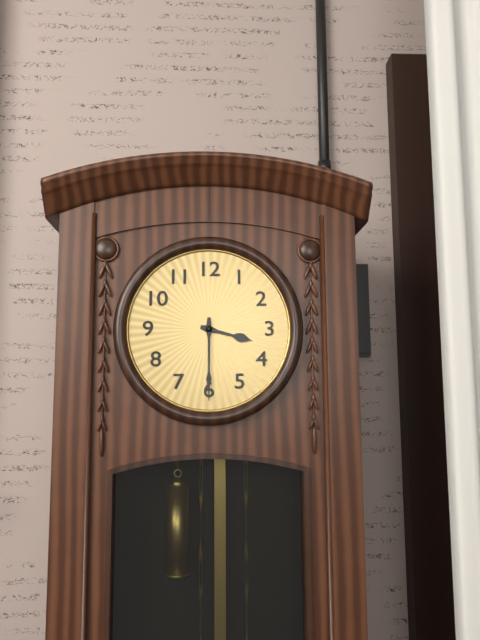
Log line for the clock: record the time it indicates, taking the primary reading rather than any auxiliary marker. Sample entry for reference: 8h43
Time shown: 3h30
